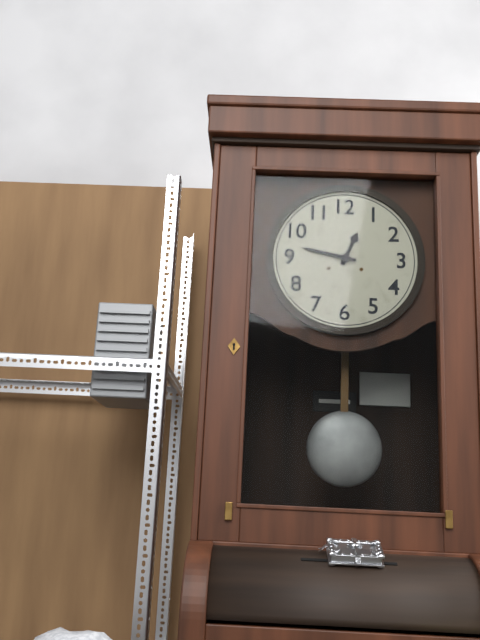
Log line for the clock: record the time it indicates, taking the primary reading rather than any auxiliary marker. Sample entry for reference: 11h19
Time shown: 12h47
